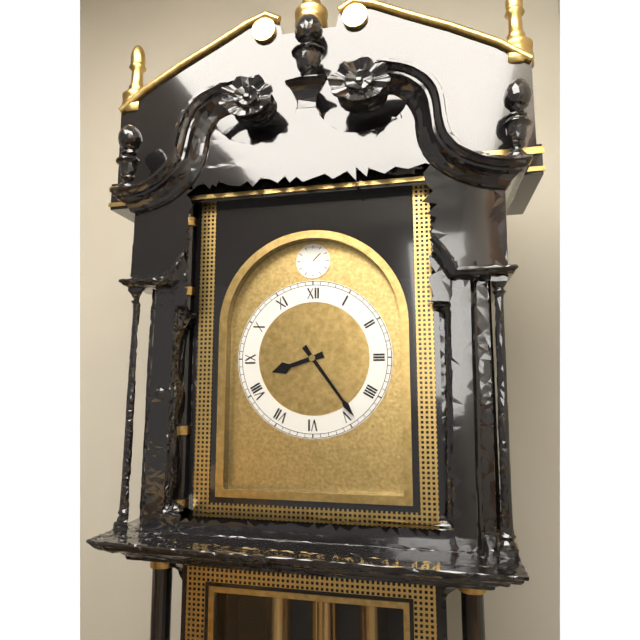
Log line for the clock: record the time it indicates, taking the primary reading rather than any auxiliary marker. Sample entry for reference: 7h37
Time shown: 8h24
